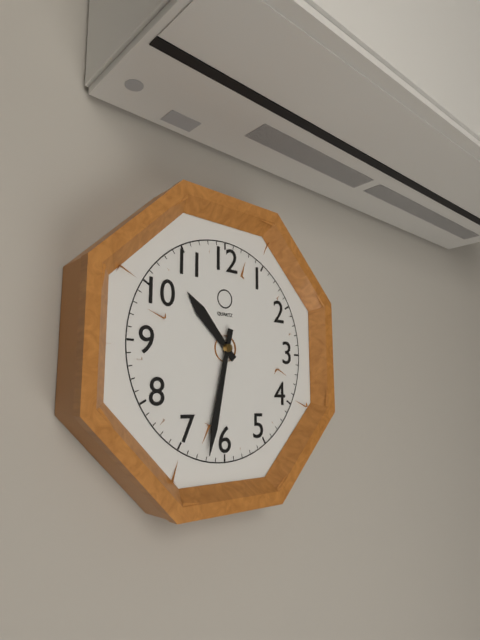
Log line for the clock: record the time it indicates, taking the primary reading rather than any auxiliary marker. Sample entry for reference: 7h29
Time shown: 10h32
